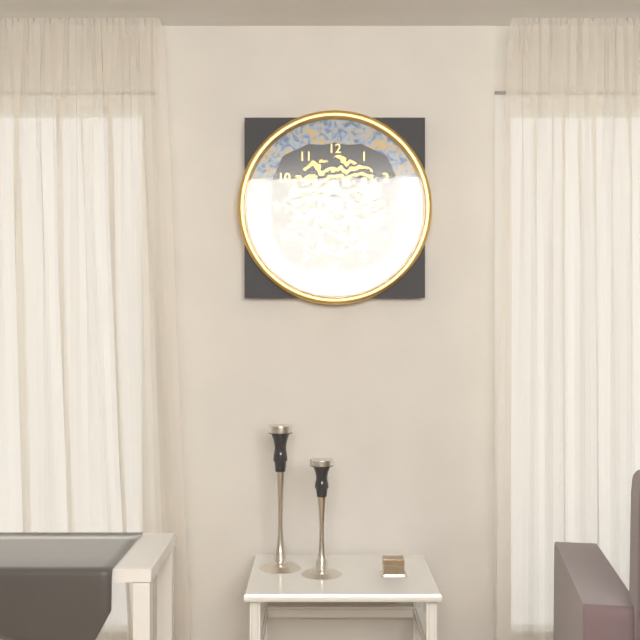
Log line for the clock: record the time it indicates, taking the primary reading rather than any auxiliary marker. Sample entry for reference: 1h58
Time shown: 8h20
